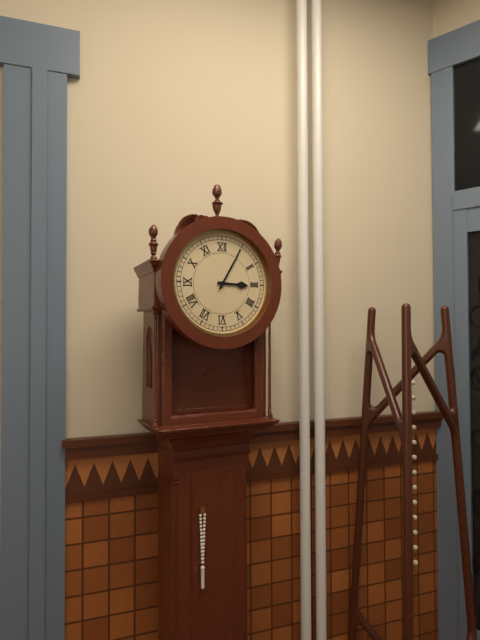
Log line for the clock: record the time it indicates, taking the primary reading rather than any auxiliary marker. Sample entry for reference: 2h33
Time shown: 3h05
